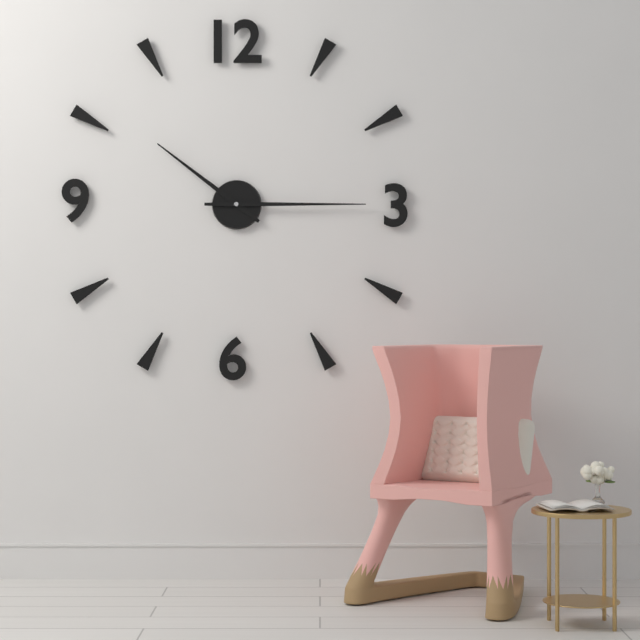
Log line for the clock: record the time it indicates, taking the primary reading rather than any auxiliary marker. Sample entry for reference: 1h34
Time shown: 10h15
